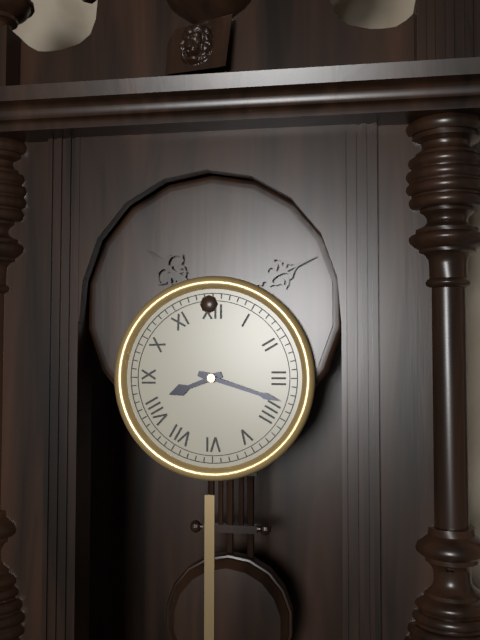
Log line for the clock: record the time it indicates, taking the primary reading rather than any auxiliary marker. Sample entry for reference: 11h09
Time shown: 8h18
